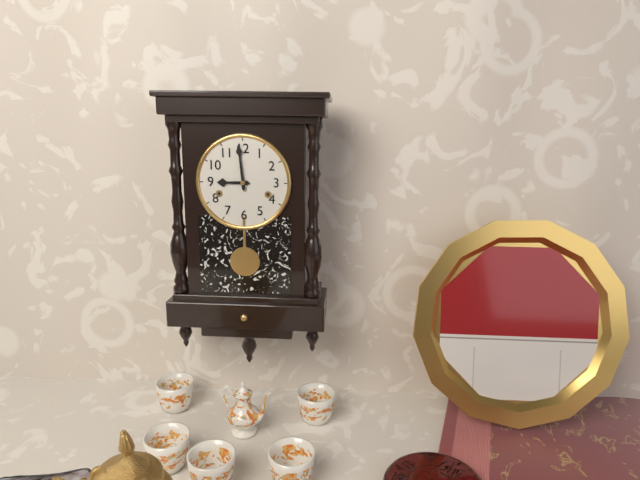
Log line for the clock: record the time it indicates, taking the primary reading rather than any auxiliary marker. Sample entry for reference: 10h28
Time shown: 8h59
